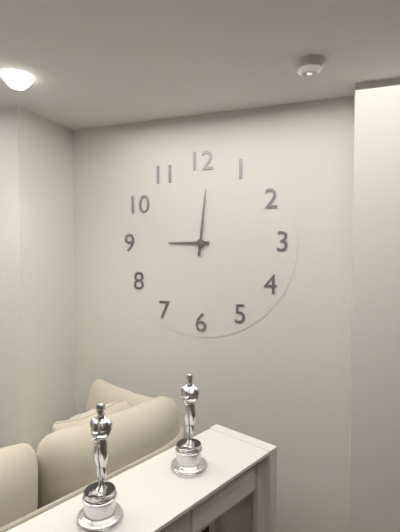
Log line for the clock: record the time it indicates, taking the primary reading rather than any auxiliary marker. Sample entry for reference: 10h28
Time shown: 9h01
